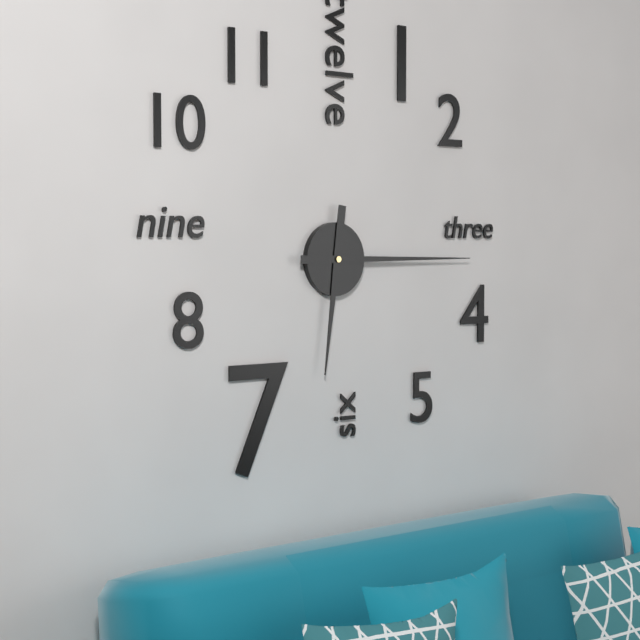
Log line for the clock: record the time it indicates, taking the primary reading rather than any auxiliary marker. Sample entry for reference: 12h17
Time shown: 6h15
